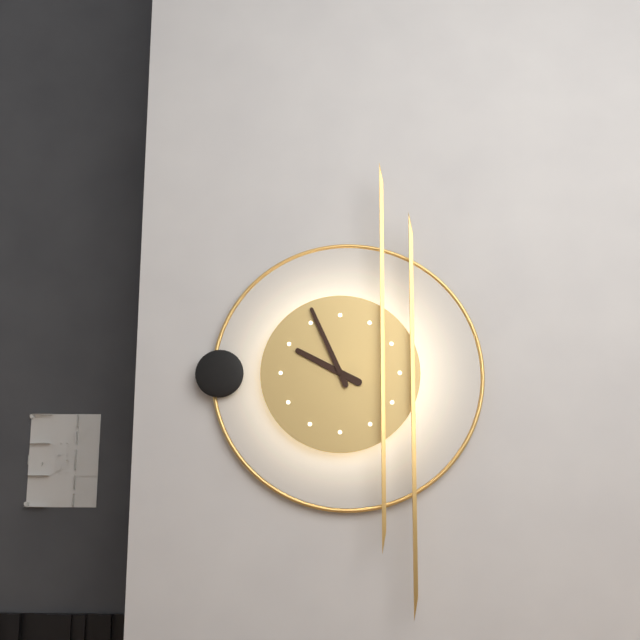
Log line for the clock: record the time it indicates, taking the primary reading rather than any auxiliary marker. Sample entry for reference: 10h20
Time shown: 9h56
